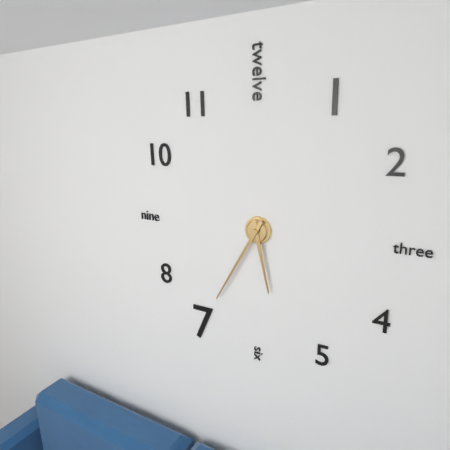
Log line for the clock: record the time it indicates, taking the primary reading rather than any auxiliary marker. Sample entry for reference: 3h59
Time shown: 5h35
